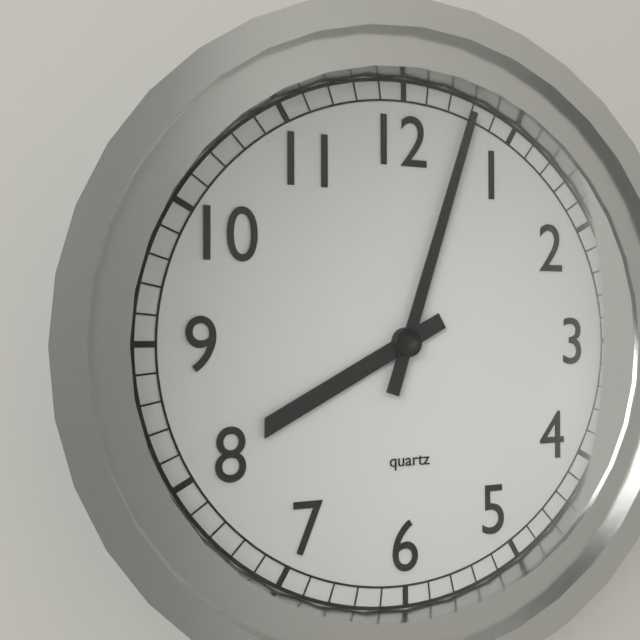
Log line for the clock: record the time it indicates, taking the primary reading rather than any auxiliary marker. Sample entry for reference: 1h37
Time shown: 8h03
